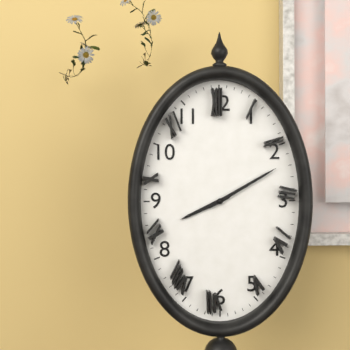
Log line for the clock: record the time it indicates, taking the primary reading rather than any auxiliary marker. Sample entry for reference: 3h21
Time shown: 8h10
